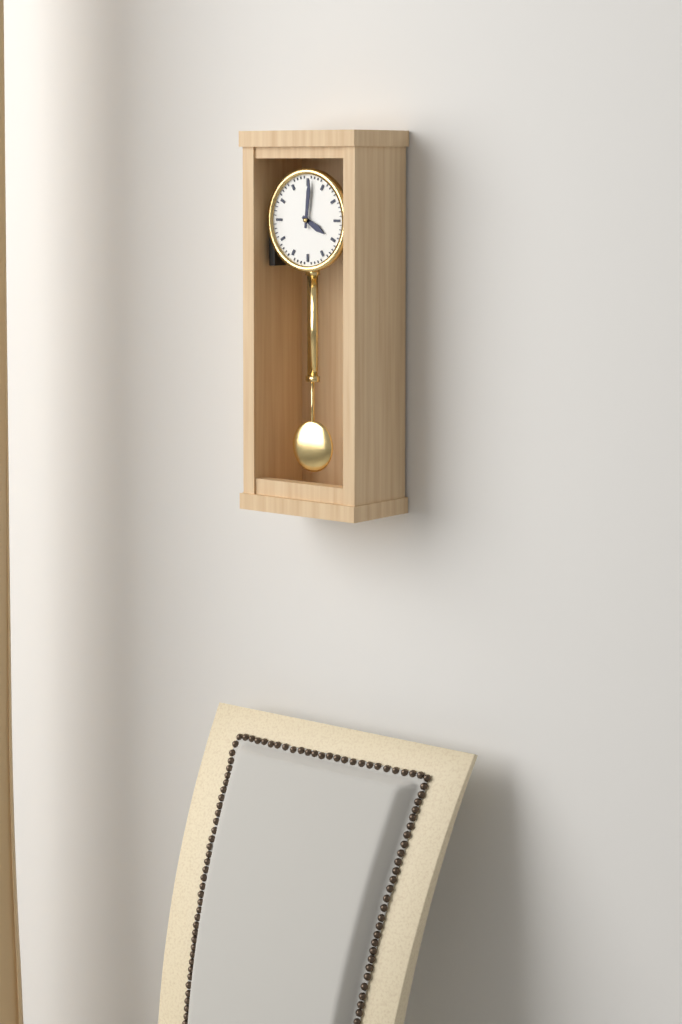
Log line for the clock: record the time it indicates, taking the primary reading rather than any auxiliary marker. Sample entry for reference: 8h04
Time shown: 4h01
